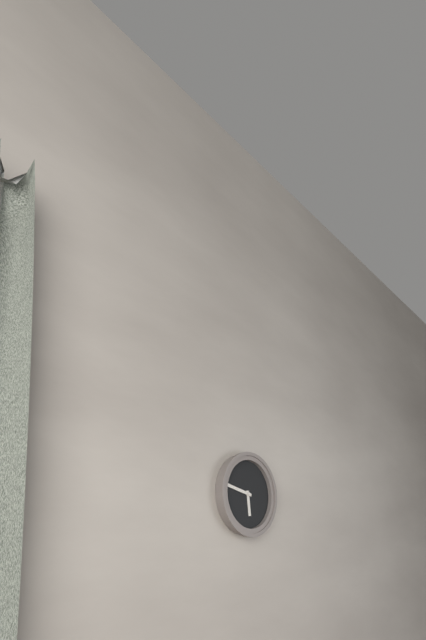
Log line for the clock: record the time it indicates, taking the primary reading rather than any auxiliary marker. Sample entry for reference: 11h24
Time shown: 5h47
